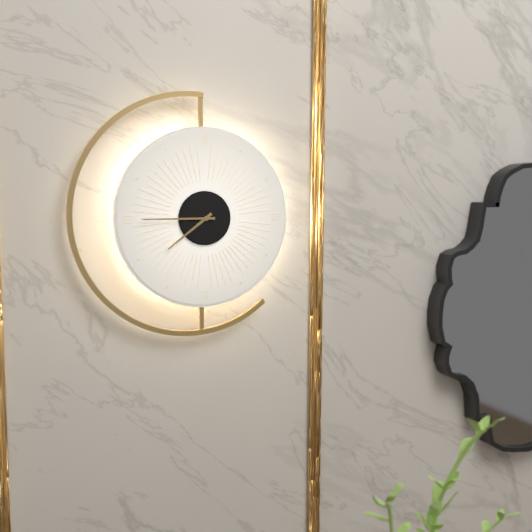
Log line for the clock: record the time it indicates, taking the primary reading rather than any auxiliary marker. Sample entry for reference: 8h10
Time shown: 7h45
